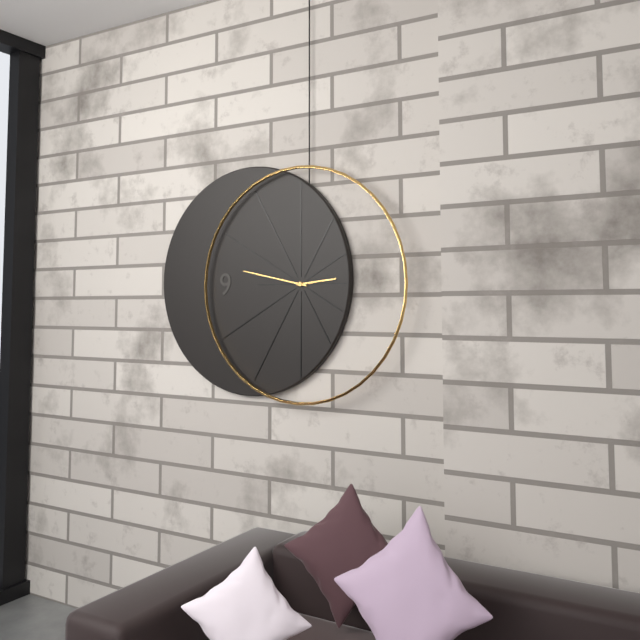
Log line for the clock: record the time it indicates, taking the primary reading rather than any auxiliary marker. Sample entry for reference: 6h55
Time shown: 2h47
